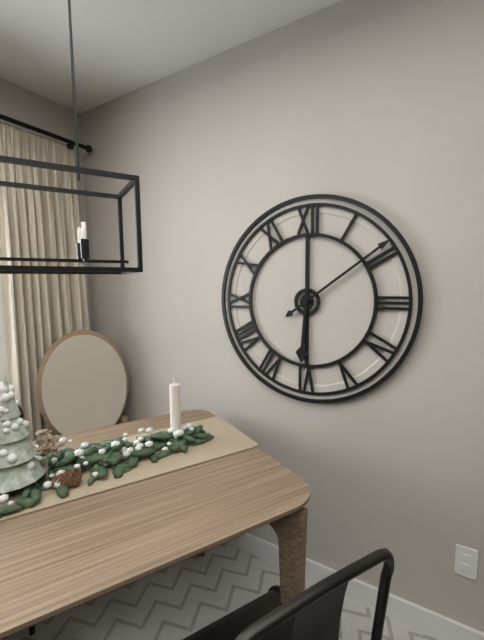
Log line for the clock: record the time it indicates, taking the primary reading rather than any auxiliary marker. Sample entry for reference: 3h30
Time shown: 6h09
